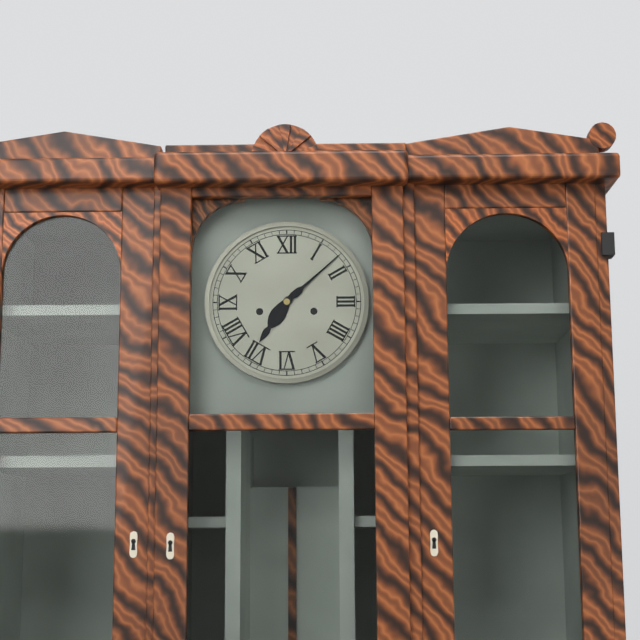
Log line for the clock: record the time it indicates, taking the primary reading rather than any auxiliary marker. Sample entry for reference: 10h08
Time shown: 7h08
